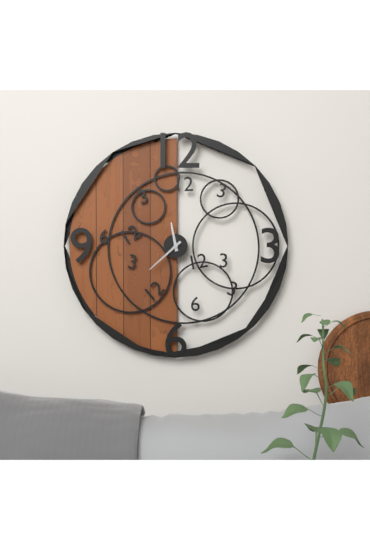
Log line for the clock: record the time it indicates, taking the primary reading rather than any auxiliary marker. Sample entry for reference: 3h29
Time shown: 11h38
